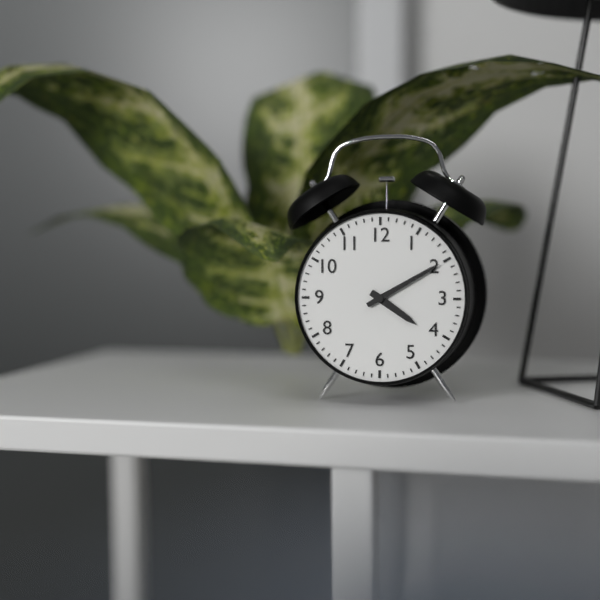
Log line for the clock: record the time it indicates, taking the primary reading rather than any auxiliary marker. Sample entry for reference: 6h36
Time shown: 4h10
